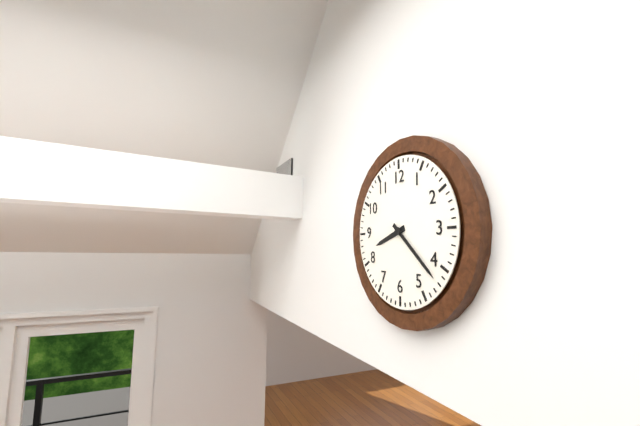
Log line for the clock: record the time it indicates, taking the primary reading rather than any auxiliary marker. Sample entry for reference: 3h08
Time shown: 8h22
